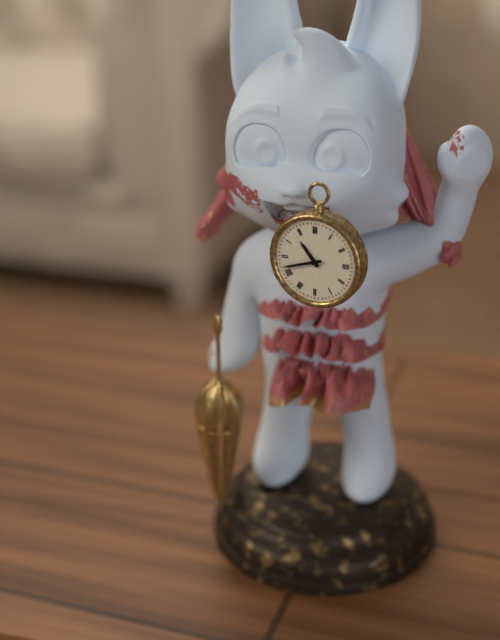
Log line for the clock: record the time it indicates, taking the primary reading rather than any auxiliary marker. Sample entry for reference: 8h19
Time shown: 10h42
